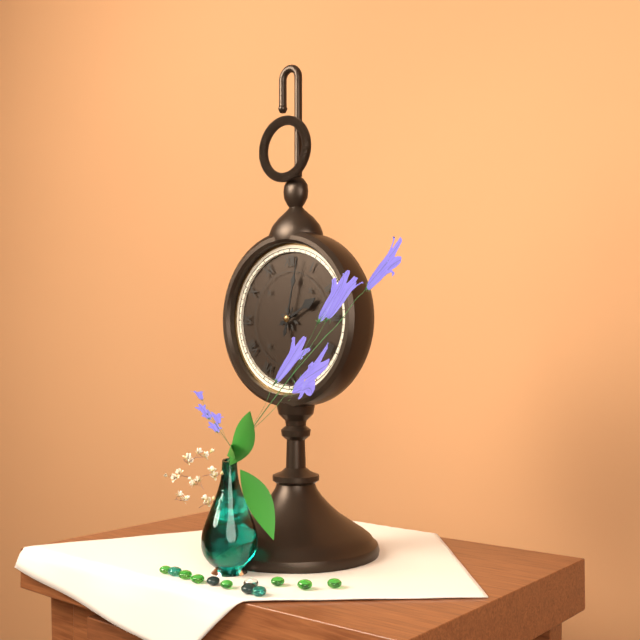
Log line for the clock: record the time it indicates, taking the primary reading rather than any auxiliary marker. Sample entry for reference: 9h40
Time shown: 2h02
